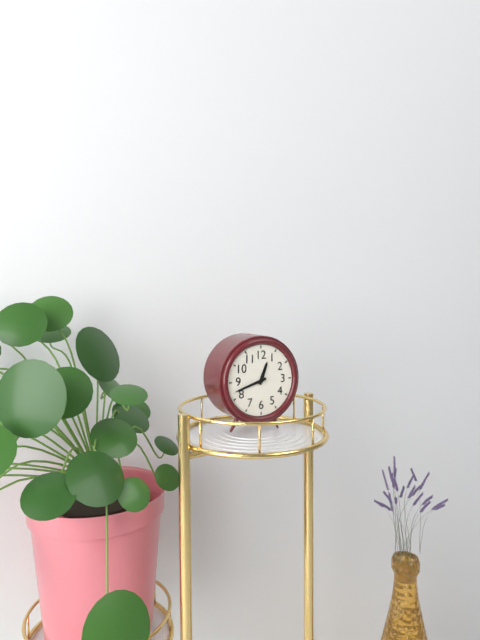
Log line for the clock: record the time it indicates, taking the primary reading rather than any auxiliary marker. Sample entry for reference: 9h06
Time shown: 12h42
